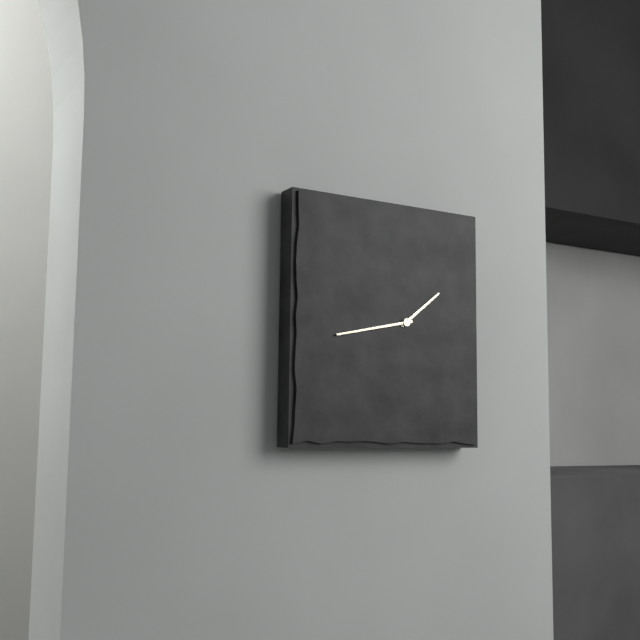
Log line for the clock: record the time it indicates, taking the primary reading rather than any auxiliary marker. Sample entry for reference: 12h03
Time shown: 1h43
